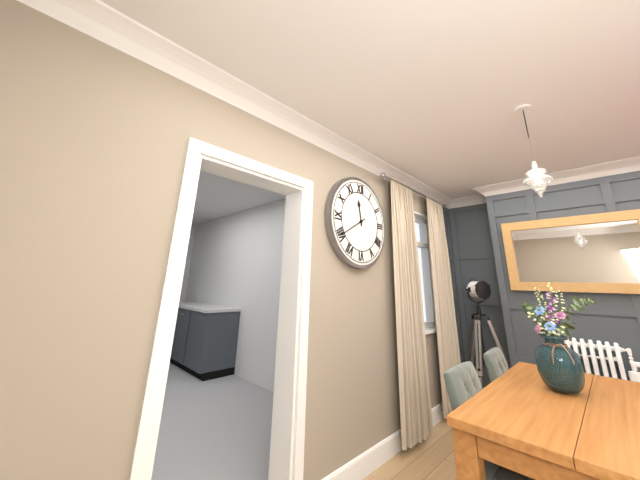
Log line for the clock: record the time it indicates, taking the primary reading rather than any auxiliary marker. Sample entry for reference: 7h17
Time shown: 11h40
